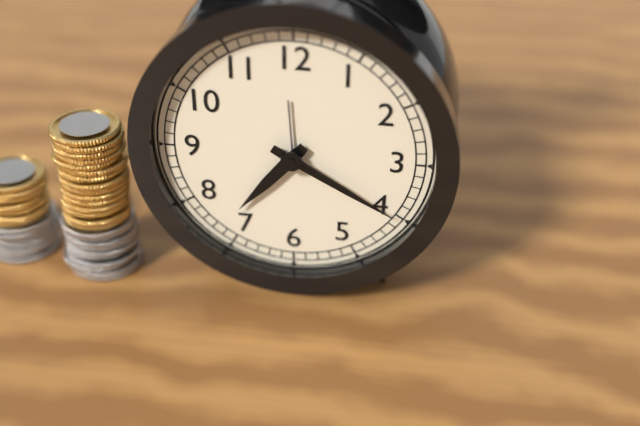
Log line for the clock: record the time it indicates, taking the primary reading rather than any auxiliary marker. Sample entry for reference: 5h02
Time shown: 7h20
